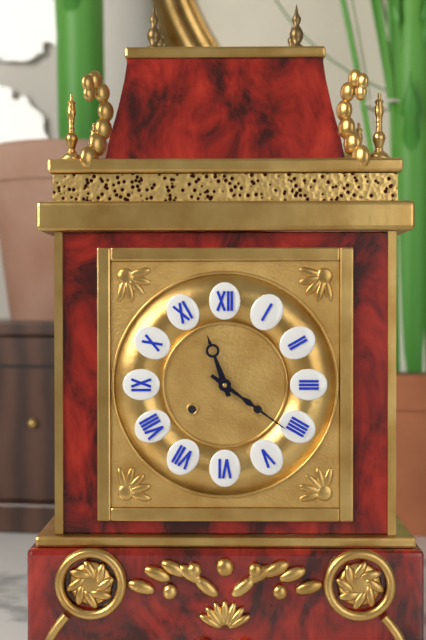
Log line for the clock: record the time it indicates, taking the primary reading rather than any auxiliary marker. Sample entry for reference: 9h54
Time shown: 11h21
